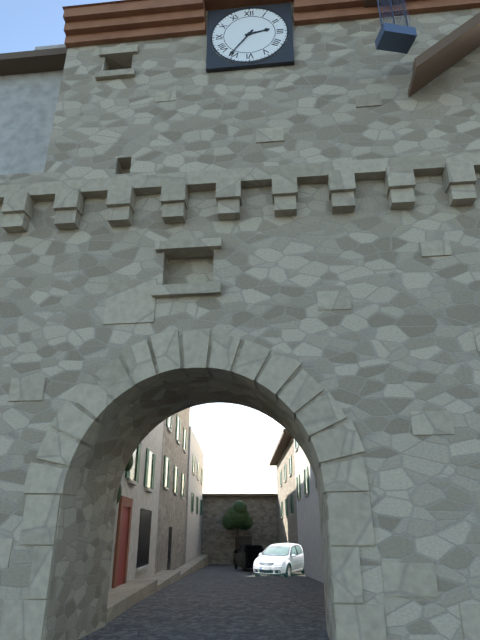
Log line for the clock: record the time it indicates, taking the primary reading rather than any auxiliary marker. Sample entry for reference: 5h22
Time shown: 2h36
